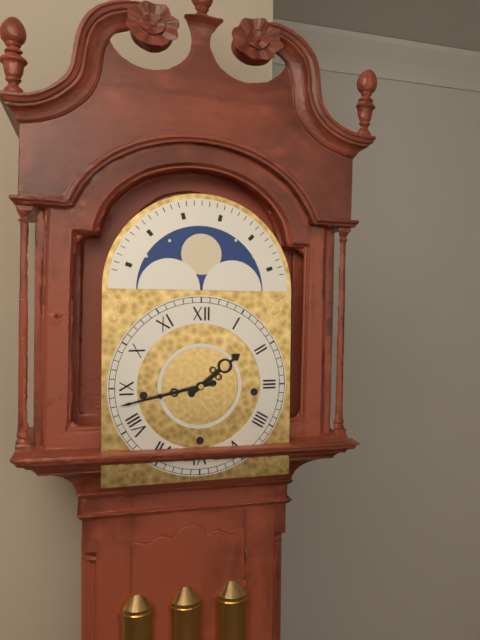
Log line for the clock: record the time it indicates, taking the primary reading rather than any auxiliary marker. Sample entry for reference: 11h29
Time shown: 1h43
